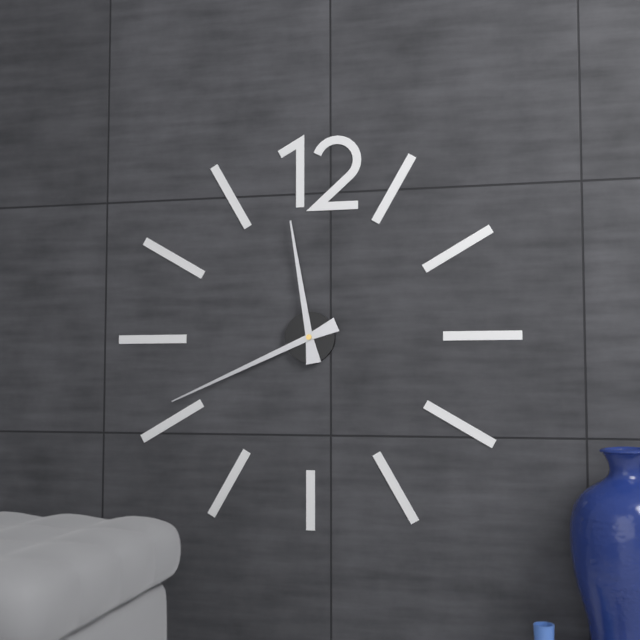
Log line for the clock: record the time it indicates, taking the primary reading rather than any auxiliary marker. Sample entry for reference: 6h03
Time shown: 11h41
